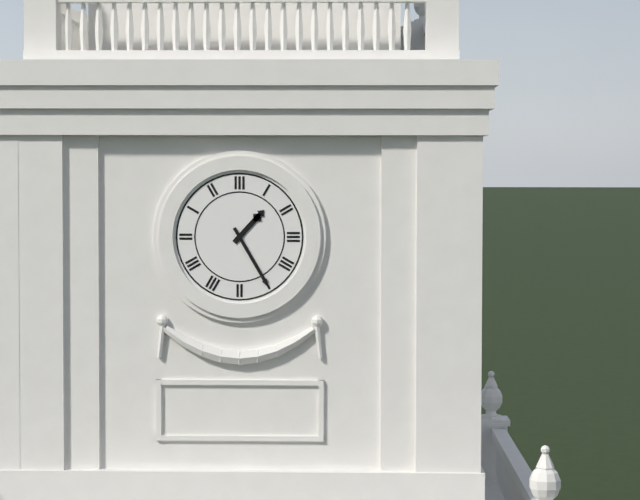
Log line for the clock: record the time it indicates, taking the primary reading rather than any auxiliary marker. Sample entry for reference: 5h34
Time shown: 1h25
